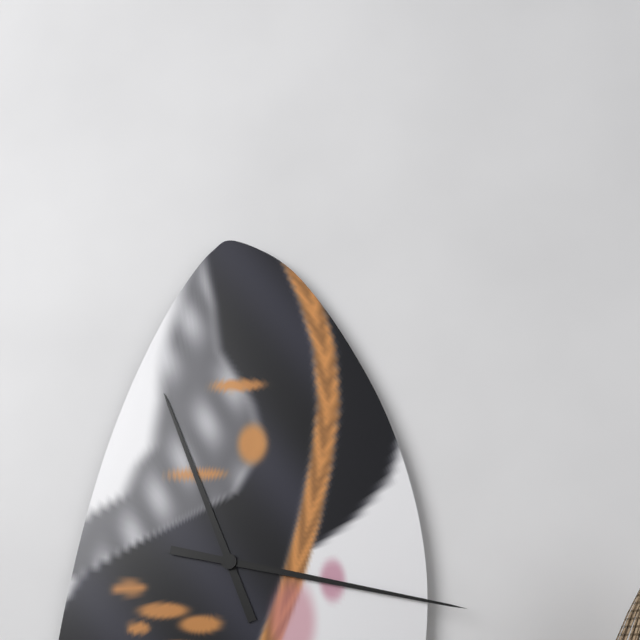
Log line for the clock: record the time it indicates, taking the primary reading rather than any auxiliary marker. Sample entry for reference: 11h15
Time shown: 11h17
